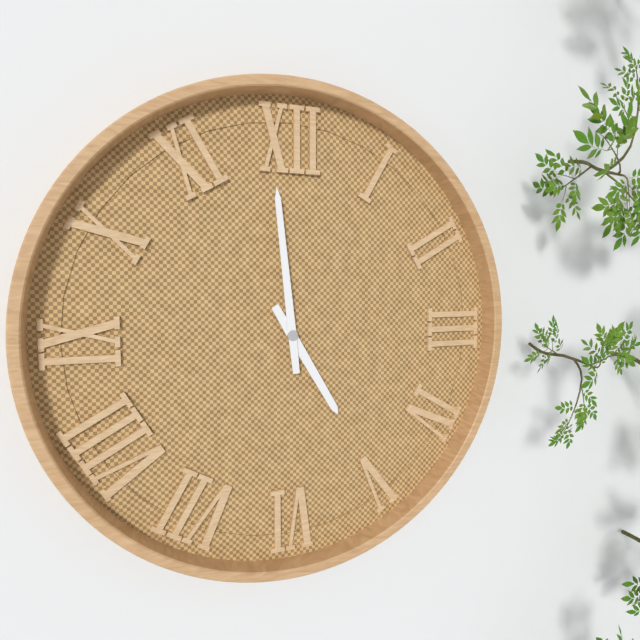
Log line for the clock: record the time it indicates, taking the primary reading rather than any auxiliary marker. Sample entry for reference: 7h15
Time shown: 4h59
